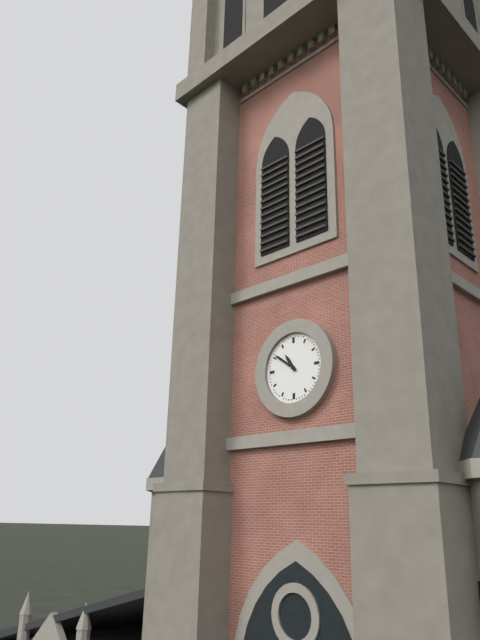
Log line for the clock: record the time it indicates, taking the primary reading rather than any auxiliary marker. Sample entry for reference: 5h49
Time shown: 10h51
